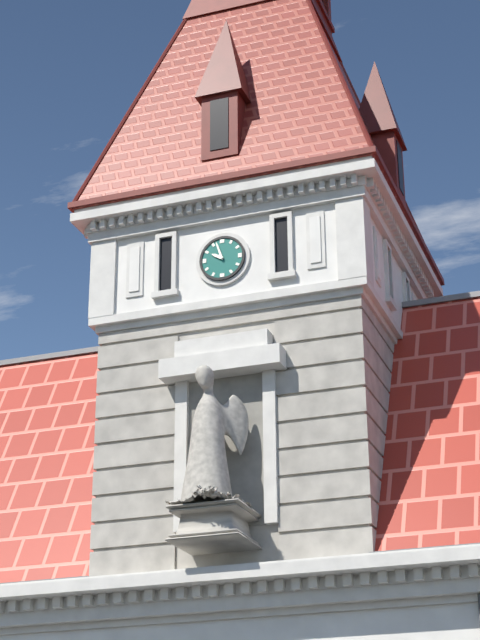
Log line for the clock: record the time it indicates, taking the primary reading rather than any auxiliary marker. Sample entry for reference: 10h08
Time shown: 9h57
